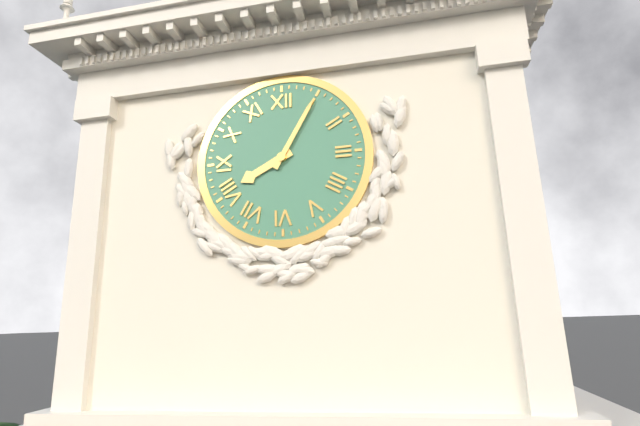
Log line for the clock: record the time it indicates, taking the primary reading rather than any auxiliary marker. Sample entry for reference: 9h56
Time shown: 8h05
